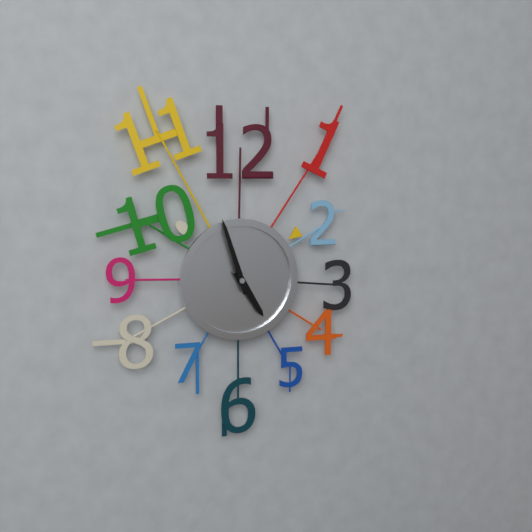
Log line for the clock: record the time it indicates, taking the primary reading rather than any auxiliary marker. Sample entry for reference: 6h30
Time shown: 4h57
